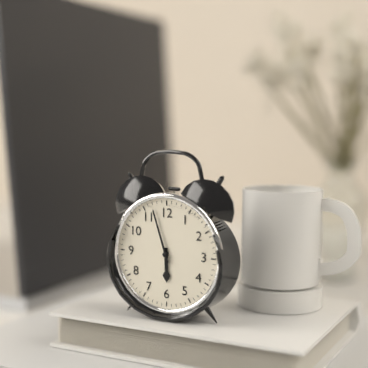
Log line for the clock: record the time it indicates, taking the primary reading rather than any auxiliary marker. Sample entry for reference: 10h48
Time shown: 5h57
